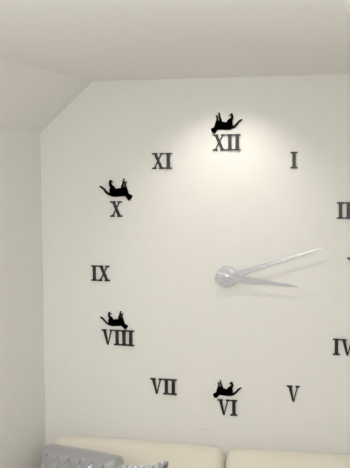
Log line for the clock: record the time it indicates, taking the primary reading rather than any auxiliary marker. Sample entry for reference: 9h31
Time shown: 3h12
